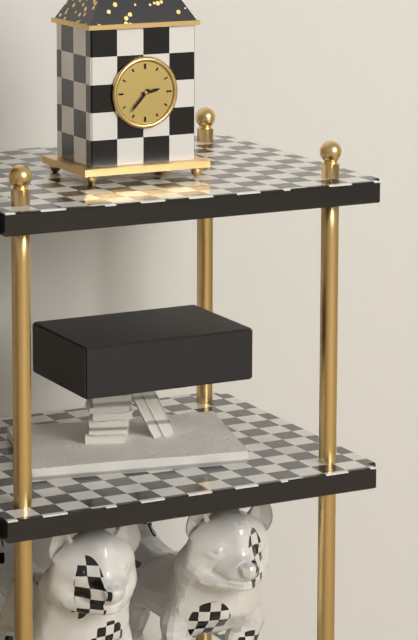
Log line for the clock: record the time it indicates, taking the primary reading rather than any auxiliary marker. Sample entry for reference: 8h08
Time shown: 2h37
